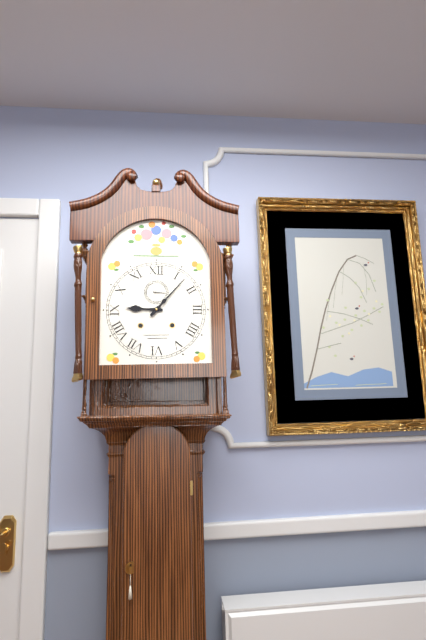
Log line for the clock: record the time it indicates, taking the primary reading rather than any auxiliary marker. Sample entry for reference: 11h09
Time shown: 9h07
